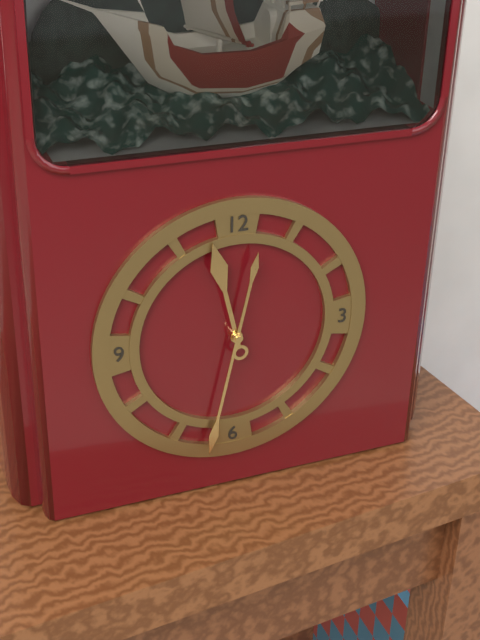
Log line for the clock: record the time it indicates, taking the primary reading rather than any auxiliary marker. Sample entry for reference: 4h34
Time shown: 11h32
